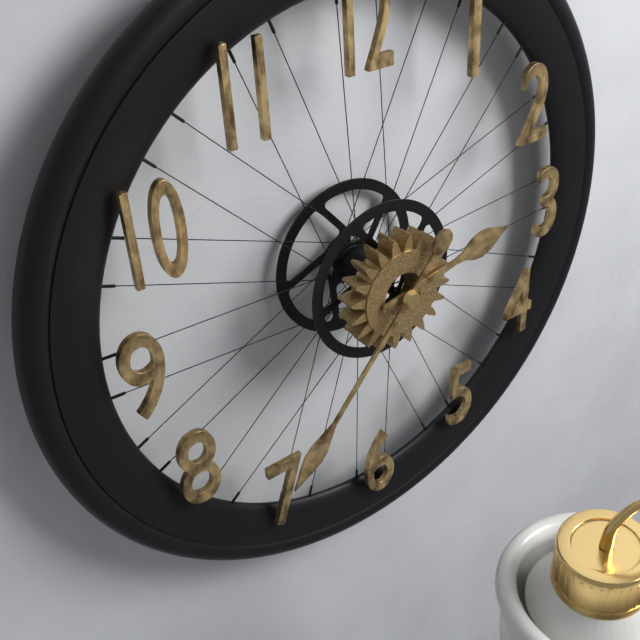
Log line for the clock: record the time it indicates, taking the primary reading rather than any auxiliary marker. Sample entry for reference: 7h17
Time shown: 2h37
